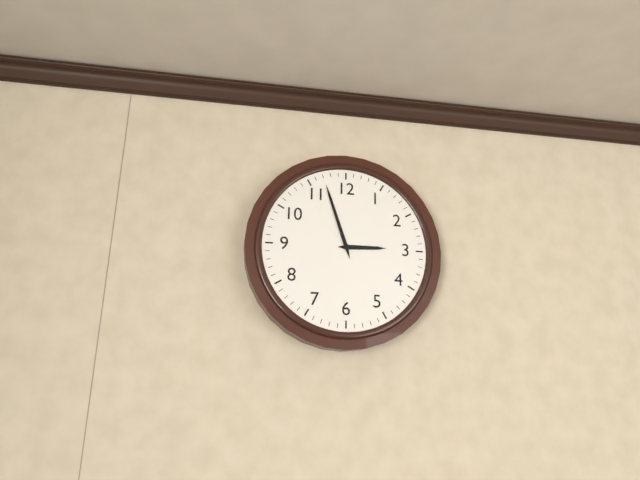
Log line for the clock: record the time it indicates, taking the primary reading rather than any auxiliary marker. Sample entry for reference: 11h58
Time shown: 2h57
